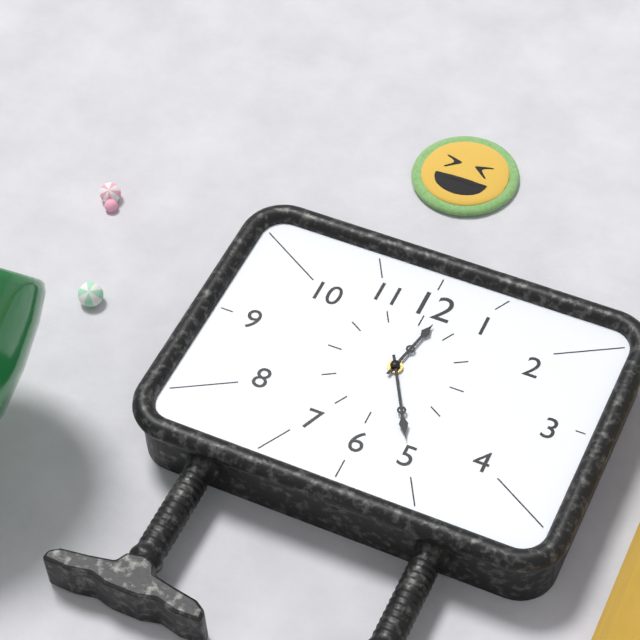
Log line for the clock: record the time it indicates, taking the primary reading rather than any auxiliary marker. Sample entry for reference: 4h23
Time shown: 12h25
